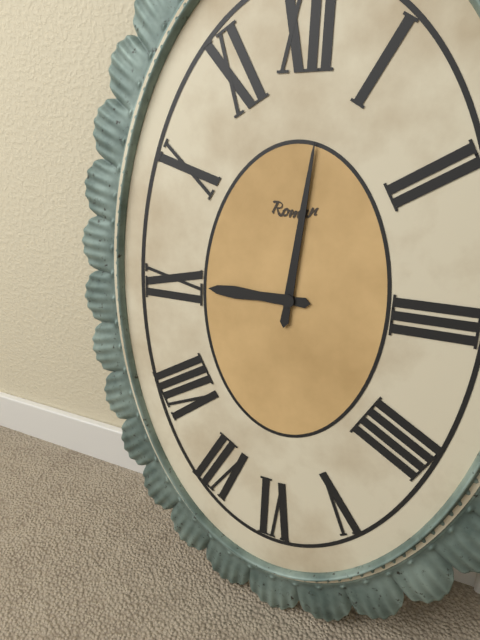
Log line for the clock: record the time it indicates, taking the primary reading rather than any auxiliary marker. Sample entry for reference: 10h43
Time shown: 9h01
